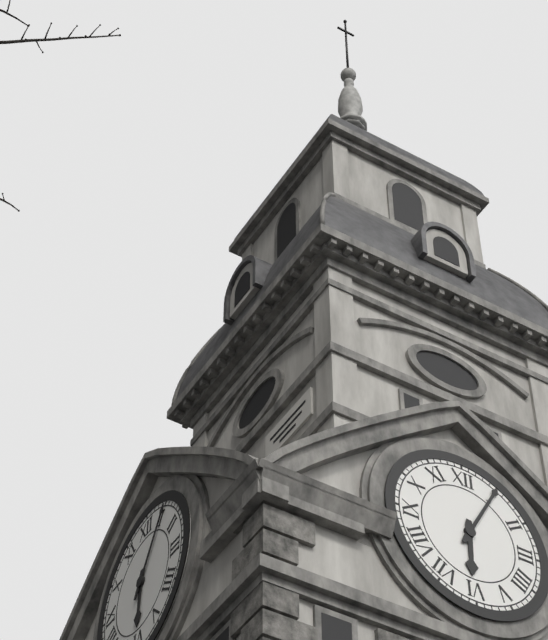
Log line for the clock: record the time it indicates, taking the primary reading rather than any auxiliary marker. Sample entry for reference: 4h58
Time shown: 6h05
